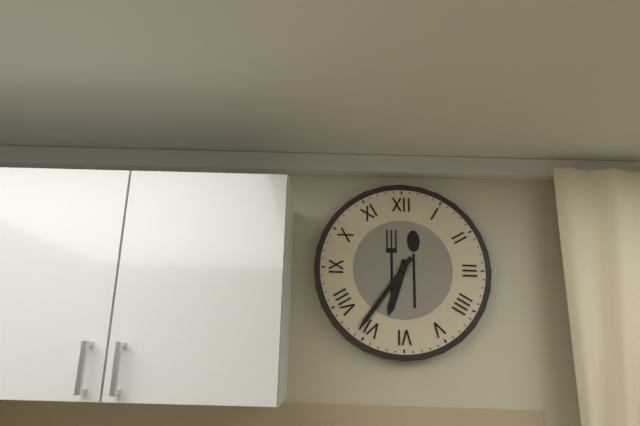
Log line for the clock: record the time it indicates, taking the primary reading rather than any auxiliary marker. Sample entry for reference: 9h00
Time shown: 6h36
